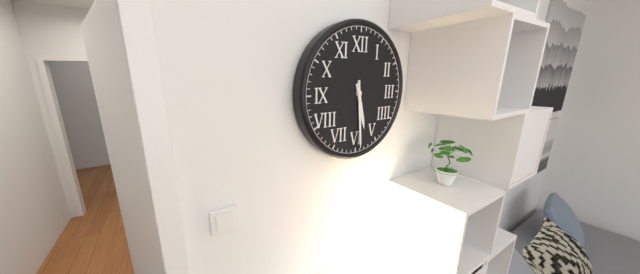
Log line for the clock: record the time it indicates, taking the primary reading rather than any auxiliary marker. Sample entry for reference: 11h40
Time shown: 5h29
